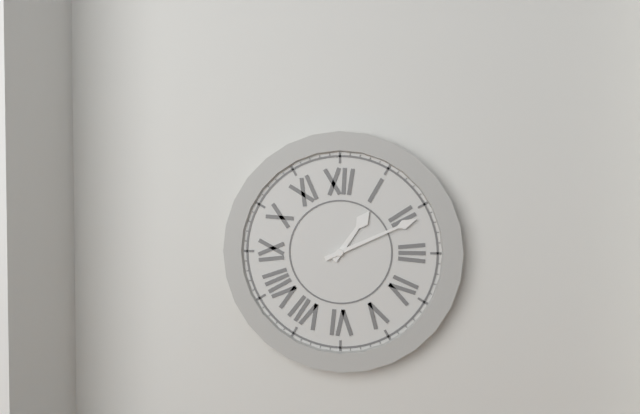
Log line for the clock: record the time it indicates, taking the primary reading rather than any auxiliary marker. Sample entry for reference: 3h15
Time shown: 1h11
